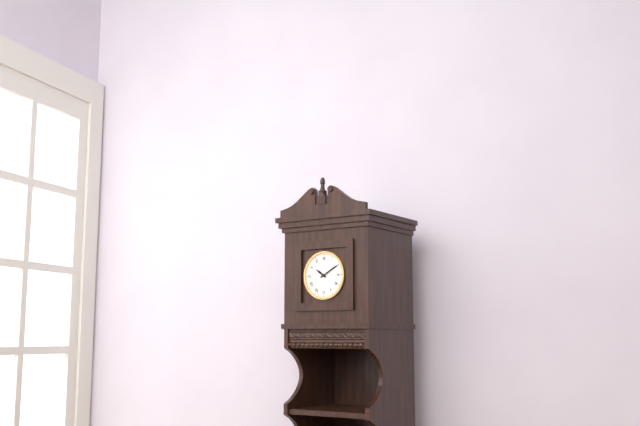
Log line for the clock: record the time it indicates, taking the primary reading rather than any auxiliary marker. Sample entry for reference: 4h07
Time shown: 10h10
